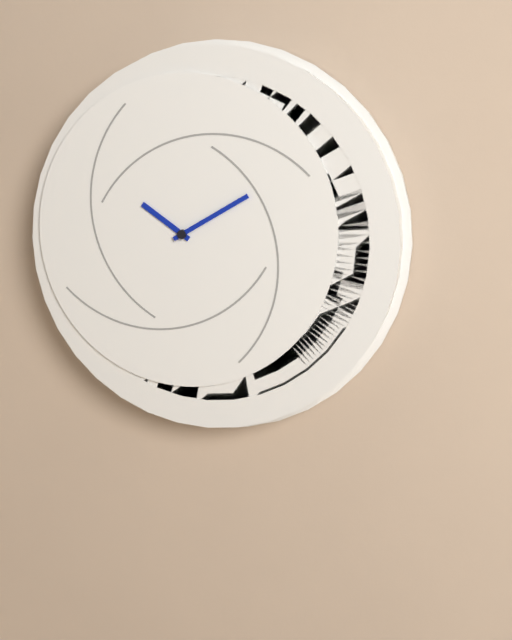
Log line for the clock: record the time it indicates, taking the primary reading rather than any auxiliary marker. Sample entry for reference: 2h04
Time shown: 10h10
